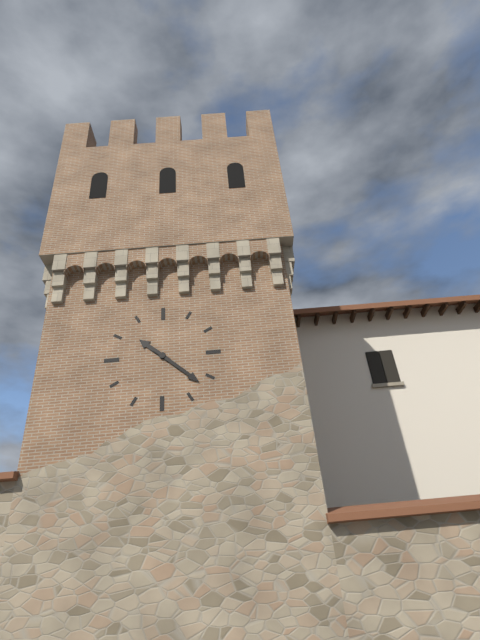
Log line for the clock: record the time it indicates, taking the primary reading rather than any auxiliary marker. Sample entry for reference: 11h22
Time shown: 10h22
